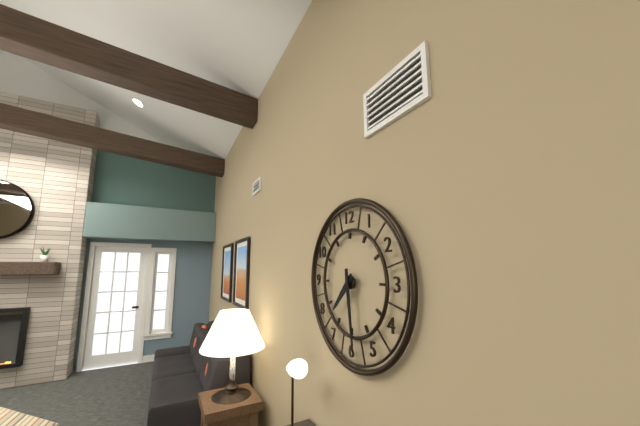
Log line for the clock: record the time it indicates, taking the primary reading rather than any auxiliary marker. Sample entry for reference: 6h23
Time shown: 7h29
